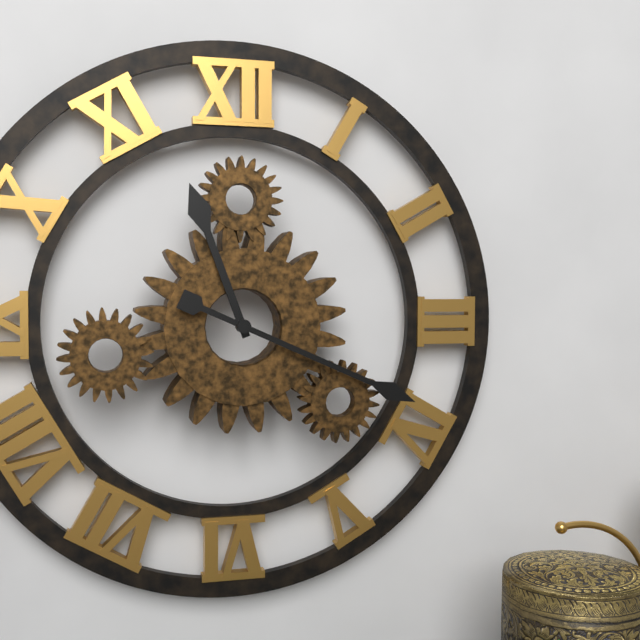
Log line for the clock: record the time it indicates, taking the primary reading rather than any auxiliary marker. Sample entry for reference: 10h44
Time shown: 11h19
